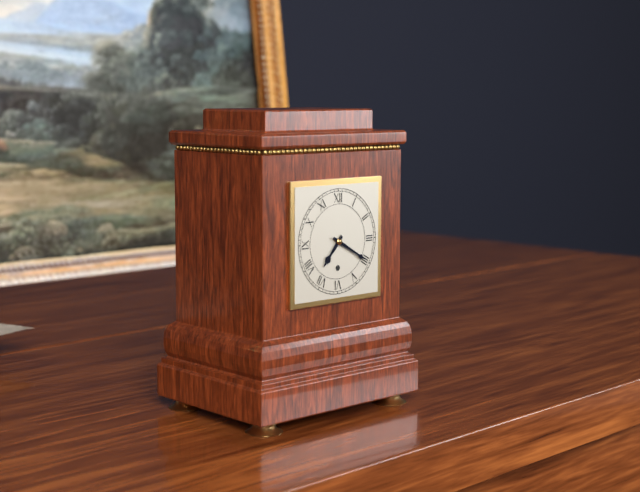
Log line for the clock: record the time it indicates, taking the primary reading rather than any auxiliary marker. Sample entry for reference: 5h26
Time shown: 7h20
